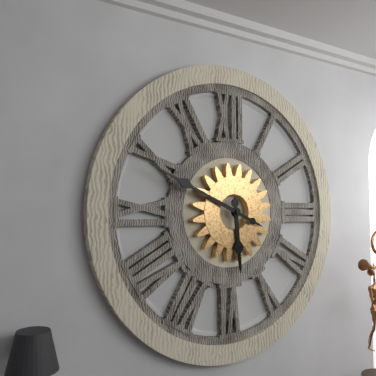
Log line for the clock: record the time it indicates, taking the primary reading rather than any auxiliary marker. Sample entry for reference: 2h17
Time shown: 5h49
